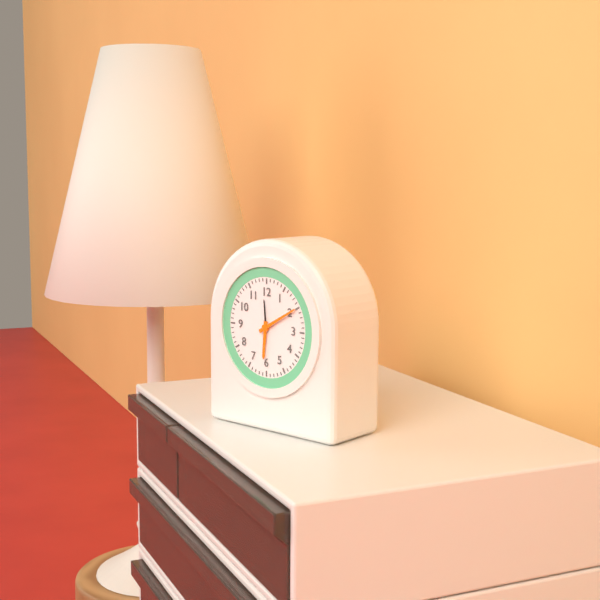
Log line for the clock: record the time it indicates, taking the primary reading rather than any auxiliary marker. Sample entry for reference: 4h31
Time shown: 6h10
